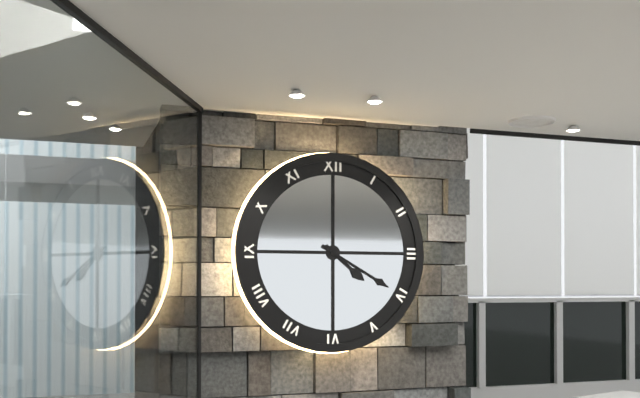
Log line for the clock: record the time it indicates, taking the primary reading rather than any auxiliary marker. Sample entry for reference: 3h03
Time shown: 4h20
